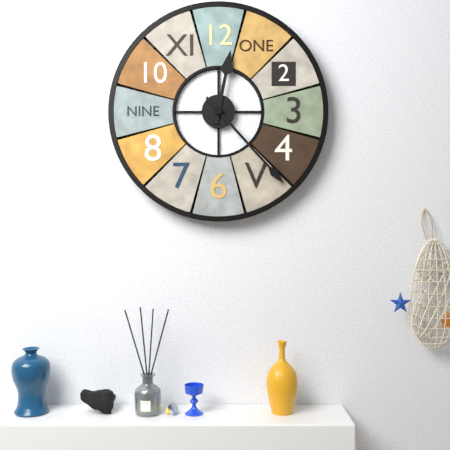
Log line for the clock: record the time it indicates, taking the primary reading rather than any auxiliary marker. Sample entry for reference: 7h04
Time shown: 12h23
